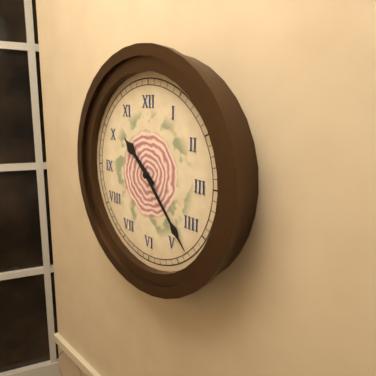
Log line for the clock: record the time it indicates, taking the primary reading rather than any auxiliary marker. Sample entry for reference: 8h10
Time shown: 10h23
